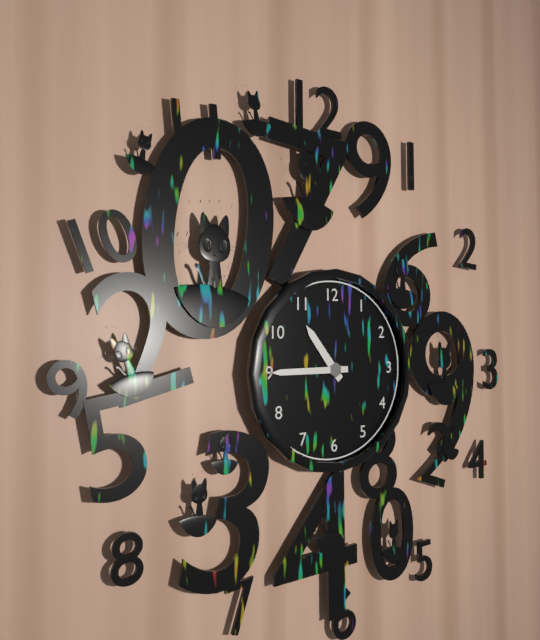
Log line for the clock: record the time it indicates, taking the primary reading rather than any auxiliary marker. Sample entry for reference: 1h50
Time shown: 10h45
